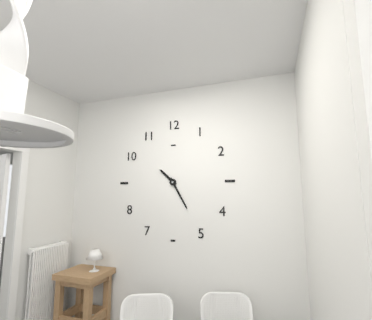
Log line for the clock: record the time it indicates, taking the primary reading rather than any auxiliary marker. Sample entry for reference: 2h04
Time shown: 10h25
